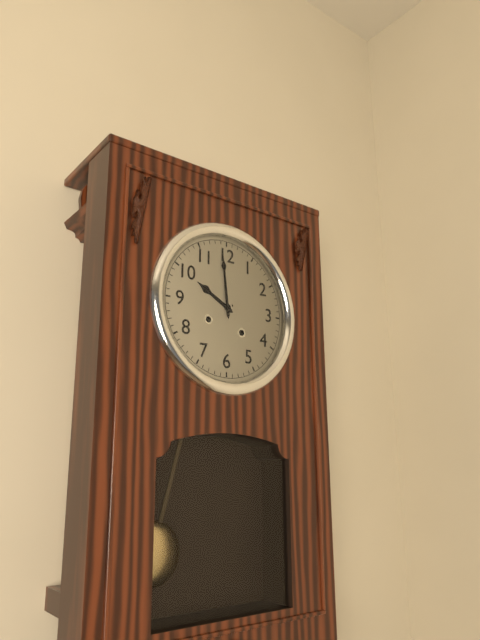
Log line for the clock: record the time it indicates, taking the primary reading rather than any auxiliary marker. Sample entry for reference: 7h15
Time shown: 9h59
